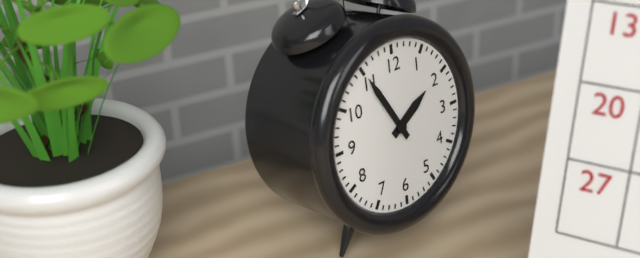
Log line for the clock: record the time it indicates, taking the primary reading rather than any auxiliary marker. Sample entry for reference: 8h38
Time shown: 1h55
